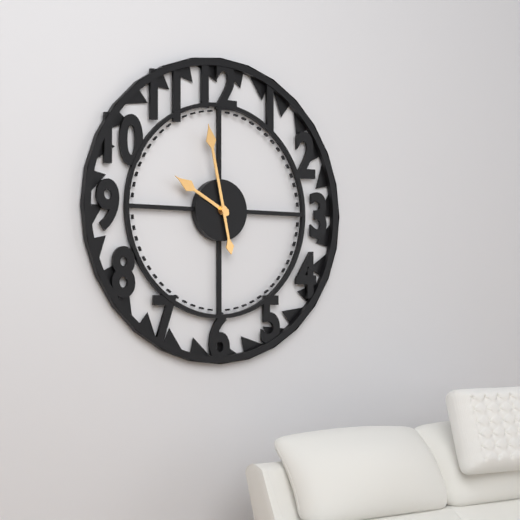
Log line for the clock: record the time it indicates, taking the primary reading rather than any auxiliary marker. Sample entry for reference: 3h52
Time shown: 9h58
